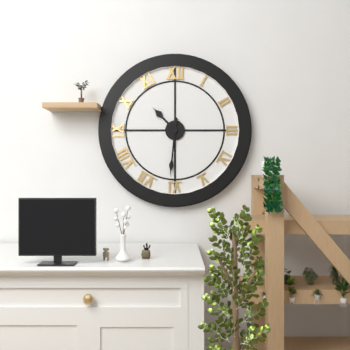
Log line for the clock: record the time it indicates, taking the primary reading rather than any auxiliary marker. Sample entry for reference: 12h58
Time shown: 10h31
